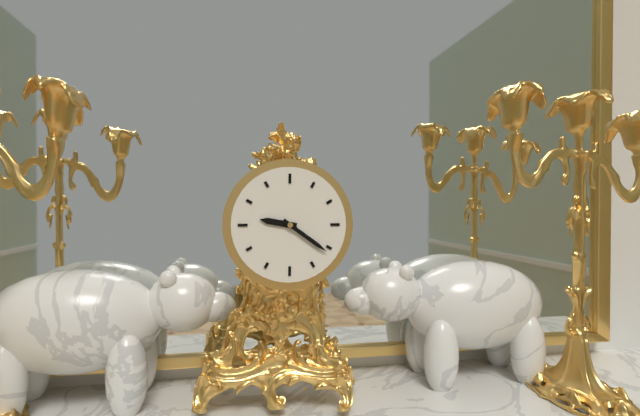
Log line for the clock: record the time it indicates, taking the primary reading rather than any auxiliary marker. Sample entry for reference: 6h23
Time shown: 9h21
